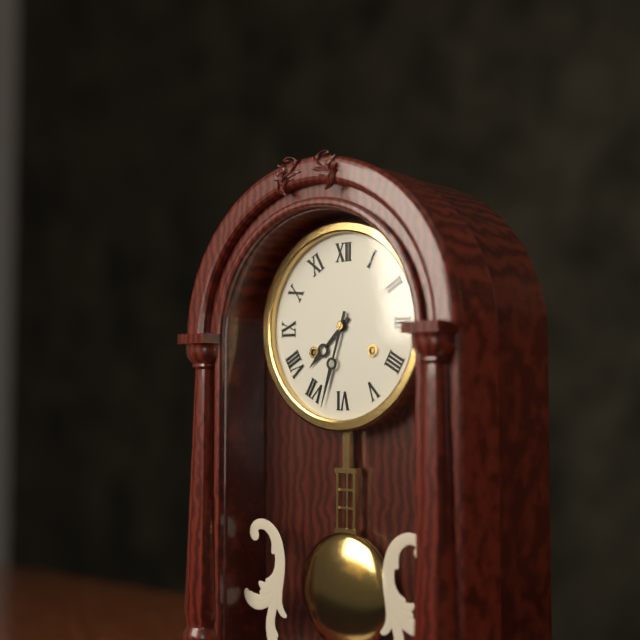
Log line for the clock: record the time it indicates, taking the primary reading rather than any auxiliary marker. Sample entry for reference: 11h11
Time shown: 7h33
